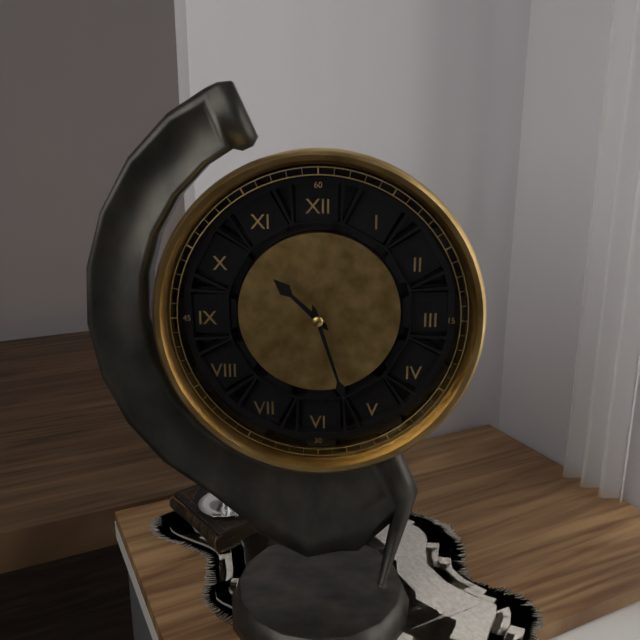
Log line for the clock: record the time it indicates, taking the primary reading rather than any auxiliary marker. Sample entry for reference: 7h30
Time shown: 10h27
